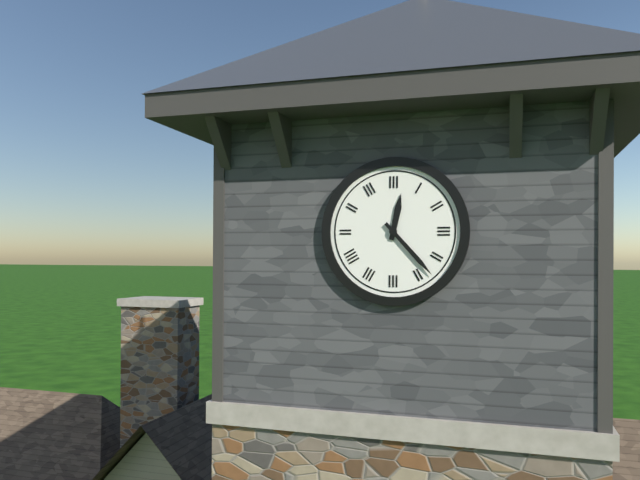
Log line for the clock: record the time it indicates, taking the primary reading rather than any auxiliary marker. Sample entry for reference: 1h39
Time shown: 12h23
